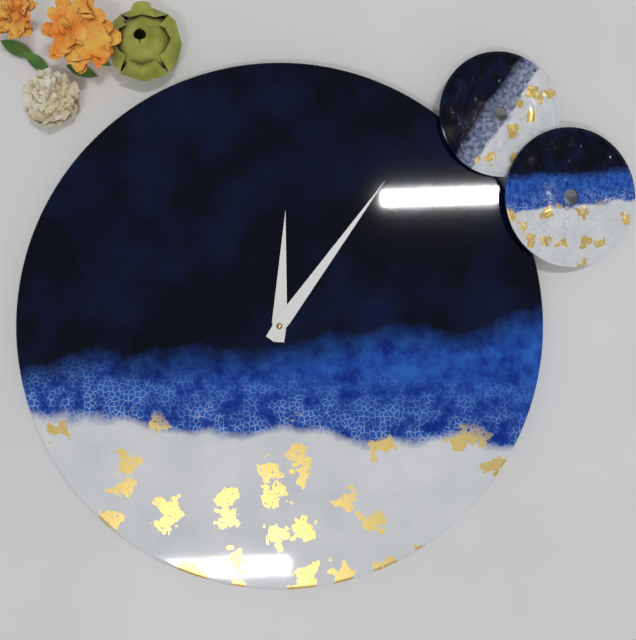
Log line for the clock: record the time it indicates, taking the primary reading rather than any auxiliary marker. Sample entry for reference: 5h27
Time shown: 12h06
